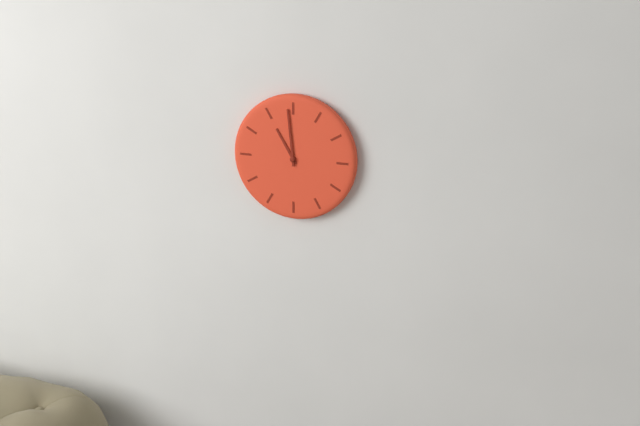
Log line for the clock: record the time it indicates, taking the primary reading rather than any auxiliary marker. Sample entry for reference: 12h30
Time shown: 10h59
